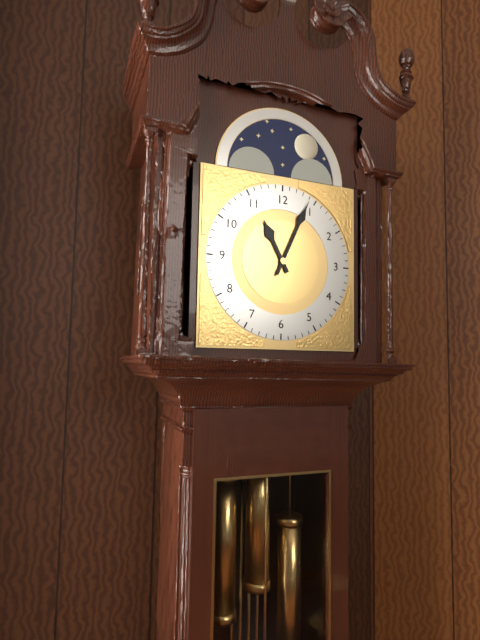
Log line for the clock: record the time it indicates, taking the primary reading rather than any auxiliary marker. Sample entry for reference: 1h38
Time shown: 11h04
